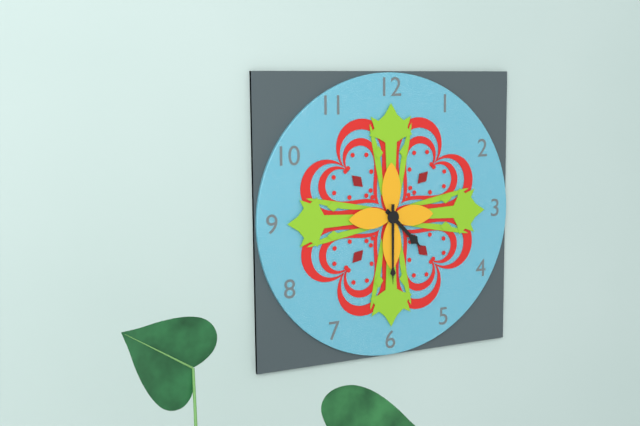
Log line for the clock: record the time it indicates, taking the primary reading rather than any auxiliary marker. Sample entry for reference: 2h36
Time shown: 4h30
